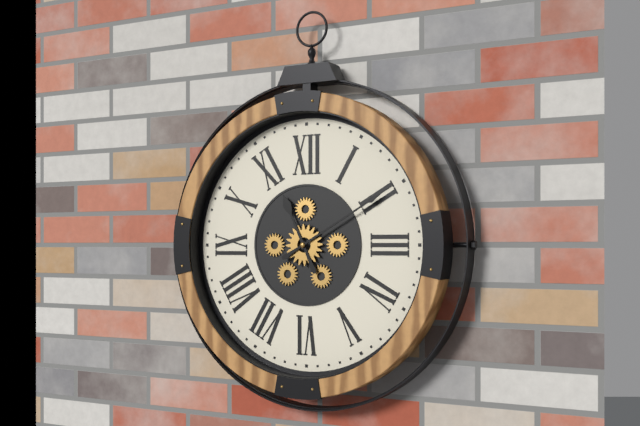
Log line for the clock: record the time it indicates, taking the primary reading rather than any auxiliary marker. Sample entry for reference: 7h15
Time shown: 11h10
